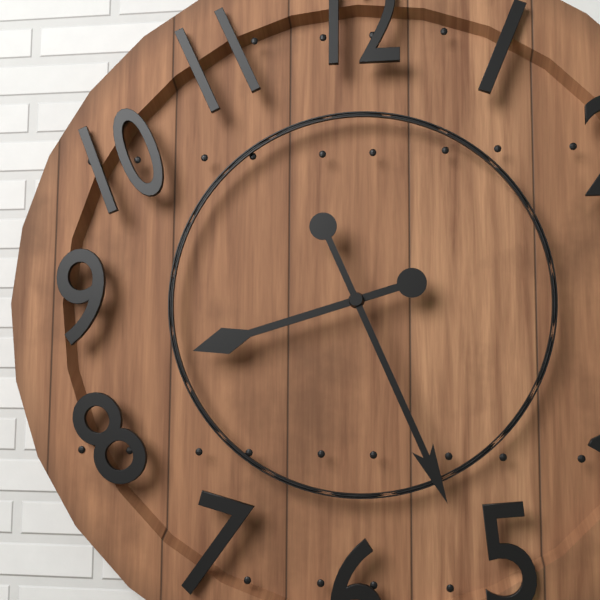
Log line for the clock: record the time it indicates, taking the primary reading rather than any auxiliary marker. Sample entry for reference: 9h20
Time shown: 8h26
